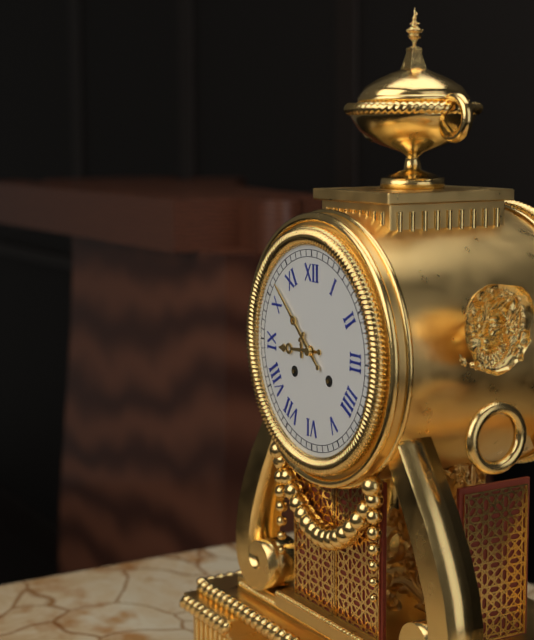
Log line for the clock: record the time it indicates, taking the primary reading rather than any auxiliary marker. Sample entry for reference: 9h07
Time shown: 8h52
